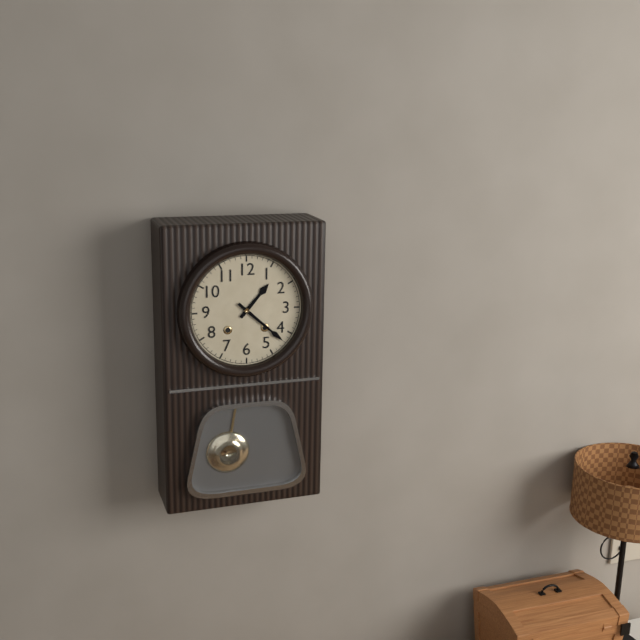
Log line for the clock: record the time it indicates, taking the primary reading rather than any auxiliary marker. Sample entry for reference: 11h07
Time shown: 1h22
